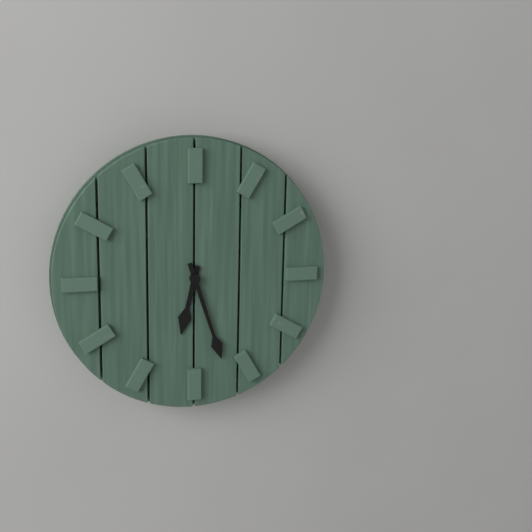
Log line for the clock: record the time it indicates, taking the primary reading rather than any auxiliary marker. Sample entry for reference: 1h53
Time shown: 6h27
